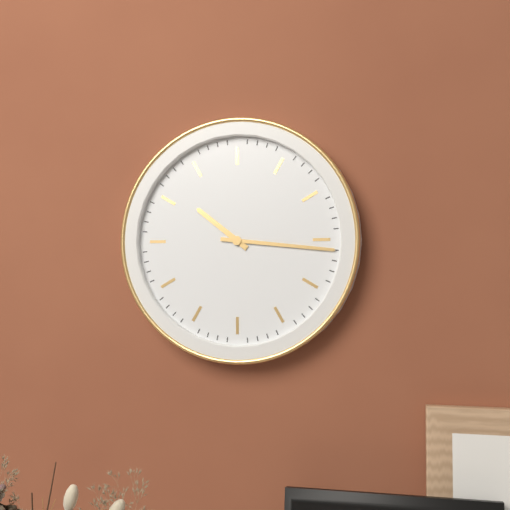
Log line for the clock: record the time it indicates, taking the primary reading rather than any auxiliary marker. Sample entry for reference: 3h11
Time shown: 10h16
